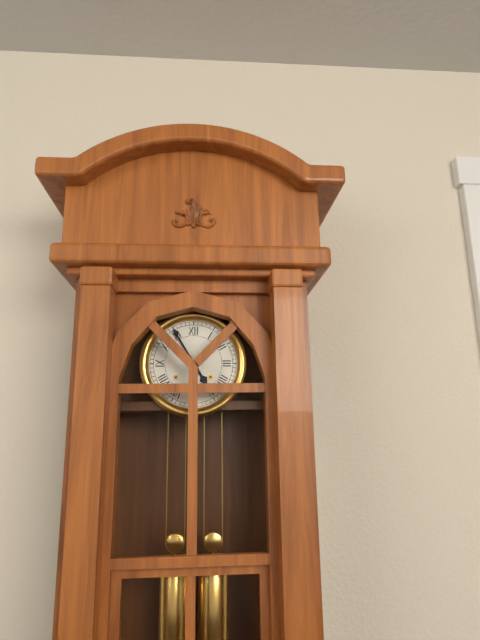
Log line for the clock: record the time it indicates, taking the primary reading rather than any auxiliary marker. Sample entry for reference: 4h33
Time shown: 4h55
